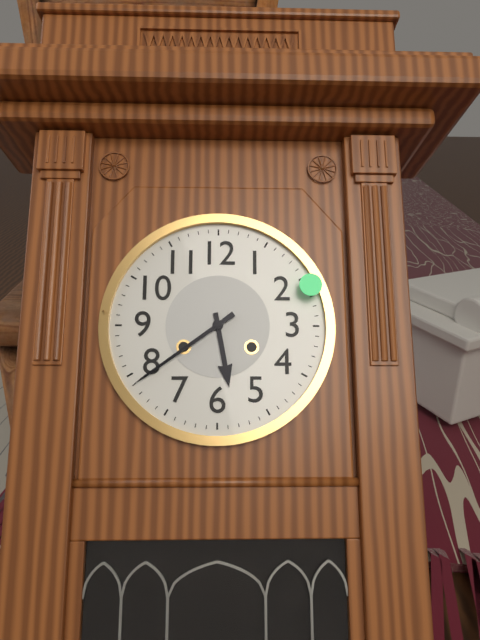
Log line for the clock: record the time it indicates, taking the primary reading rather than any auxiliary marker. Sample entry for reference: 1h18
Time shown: 5h39
